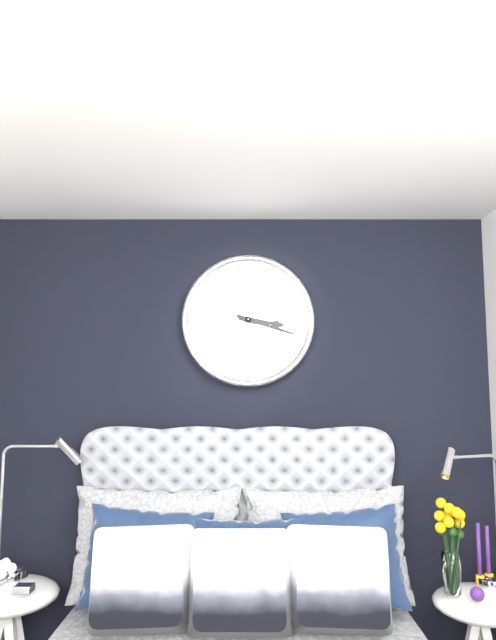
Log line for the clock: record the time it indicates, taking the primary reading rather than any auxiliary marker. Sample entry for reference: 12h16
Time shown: 3h18
